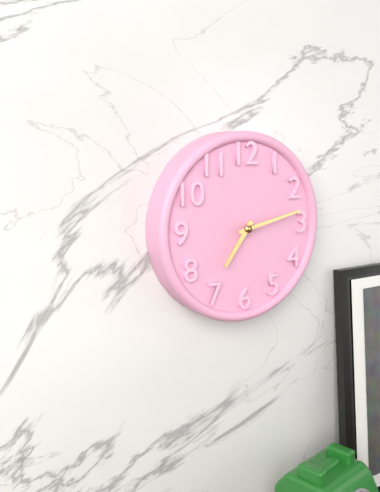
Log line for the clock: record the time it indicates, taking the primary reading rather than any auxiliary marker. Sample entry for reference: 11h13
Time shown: 7h13
